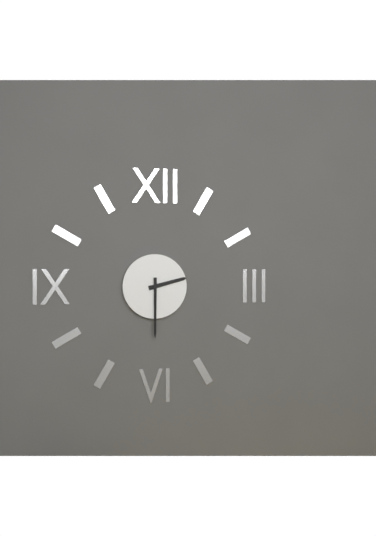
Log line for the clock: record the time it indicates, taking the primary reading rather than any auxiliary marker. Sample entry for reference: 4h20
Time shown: 2h30
